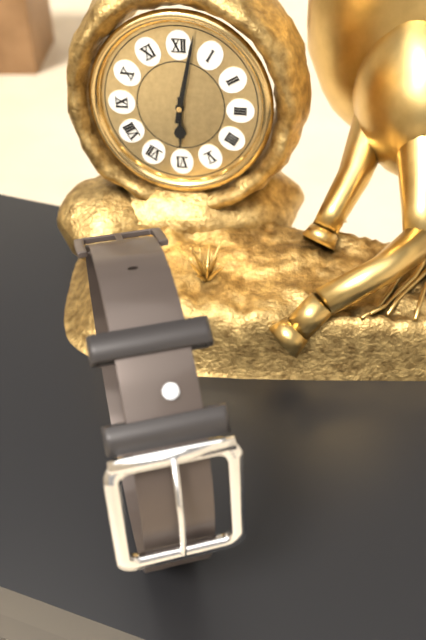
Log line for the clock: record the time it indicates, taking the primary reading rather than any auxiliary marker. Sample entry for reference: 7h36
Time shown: 6h02
